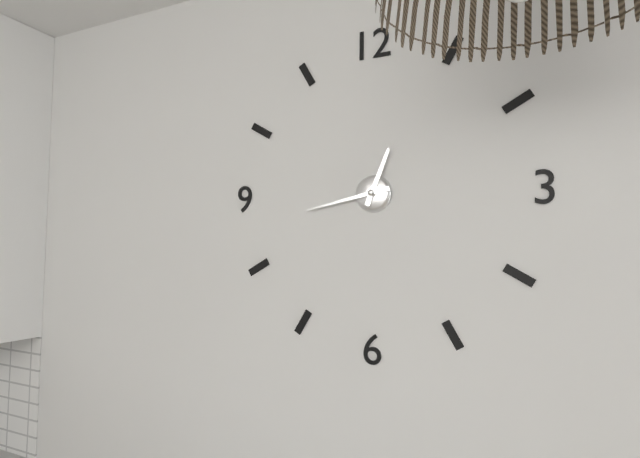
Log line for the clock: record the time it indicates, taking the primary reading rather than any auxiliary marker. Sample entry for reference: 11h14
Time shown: 12h43
